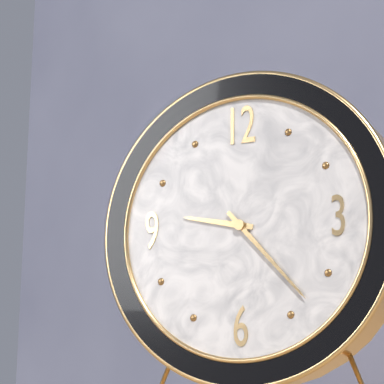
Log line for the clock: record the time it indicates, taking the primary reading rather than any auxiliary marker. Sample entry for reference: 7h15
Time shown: 9h23
